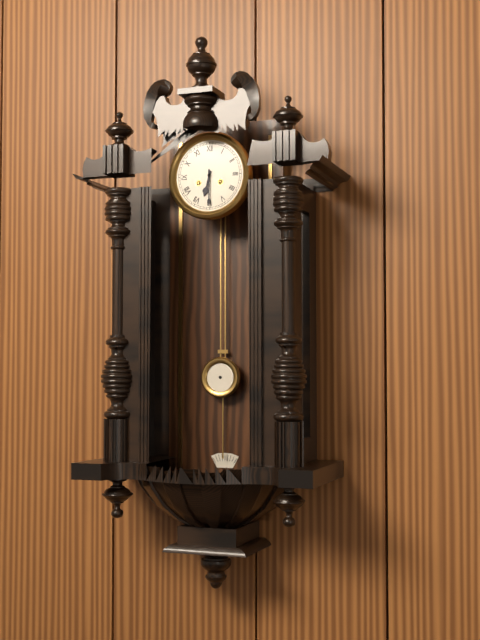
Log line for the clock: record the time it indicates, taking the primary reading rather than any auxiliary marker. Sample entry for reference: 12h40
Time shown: 6h30
